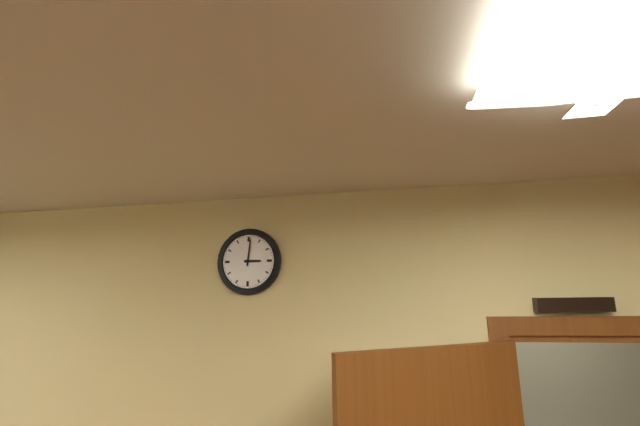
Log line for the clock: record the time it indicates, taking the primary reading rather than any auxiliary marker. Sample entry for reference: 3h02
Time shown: 3h01
